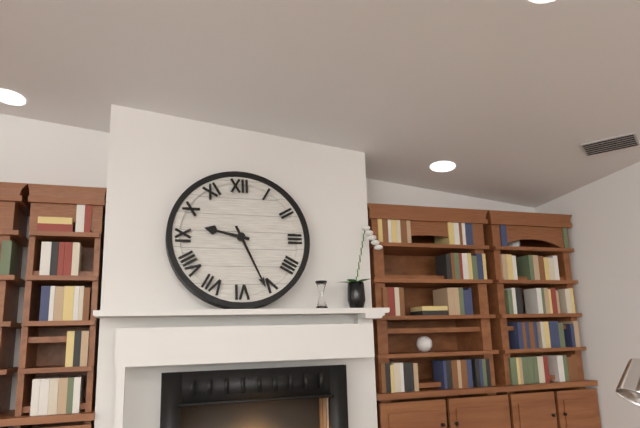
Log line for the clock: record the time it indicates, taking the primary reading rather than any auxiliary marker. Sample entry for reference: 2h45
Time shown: 9h26
